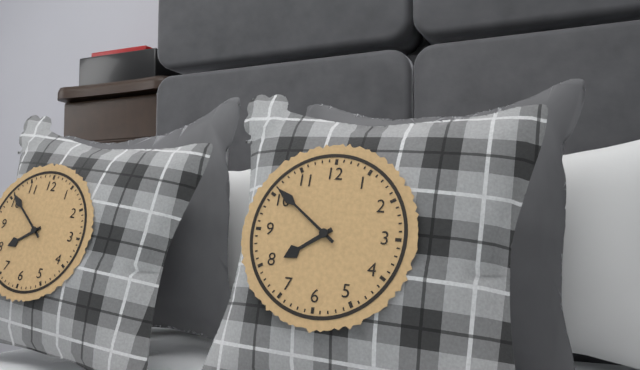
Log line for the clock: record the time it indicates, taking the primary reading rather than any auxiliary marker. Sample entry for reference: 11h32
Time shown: 7h51
